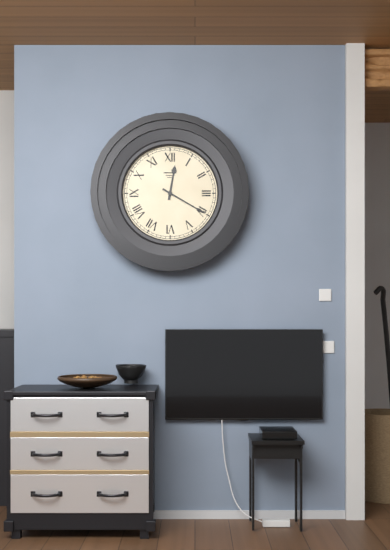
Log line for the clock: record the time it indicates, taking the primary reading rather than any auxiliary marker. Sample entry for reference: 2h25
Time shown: 12h20
